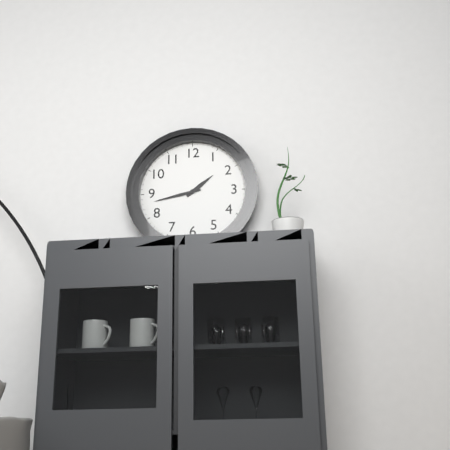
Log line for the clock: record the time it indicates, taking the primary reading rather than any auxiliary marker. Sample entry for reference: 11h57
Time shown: 1h43
